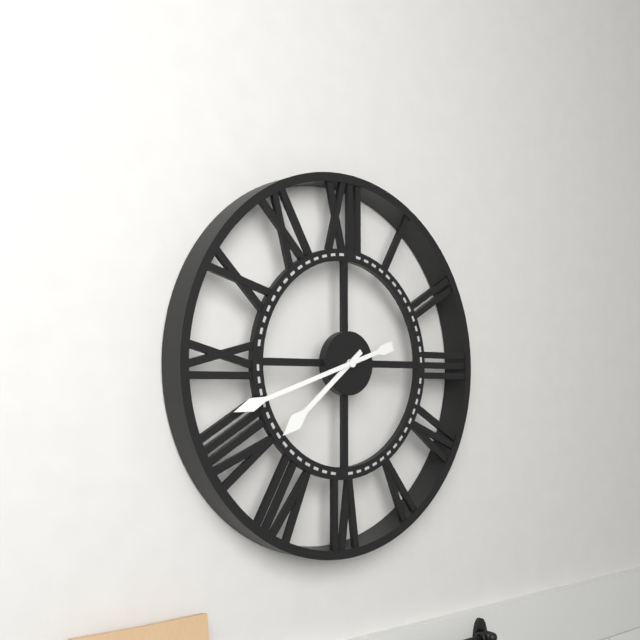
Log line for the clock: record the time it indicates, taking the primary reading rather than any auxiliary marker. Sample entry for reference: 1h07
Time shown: 7h42
